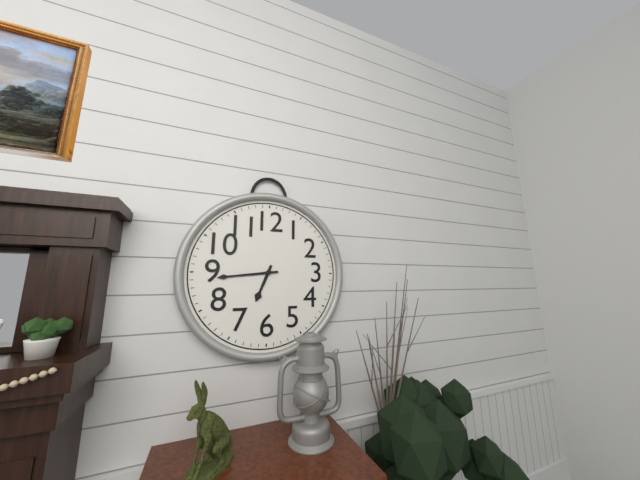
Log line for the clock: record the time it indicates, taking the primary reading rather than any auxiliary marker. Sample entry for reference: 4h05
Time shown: 6h44
